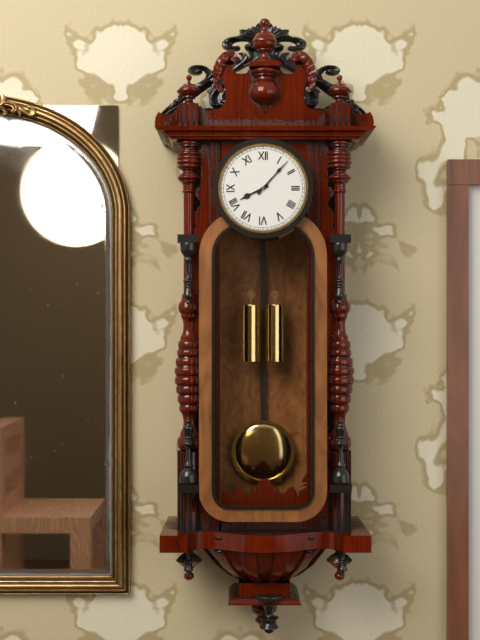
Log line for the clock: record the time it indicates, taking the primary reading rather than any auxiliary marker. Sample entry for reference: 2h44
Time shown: 8h07
